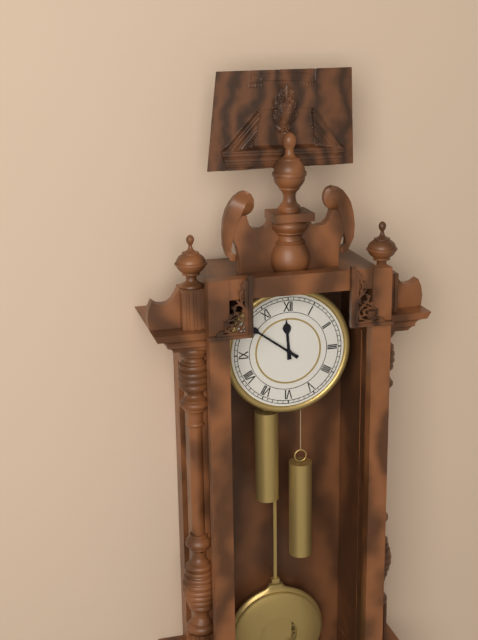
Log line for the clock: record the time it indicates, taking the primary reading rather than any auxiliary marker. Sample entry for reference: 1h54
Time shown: 11h51
